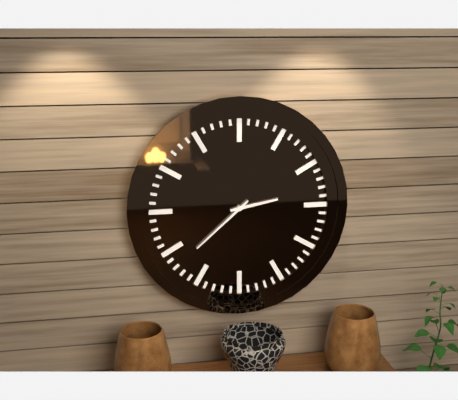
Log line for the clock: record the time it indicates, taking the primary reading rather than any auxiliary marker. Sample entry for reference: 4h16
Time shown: 2h38
